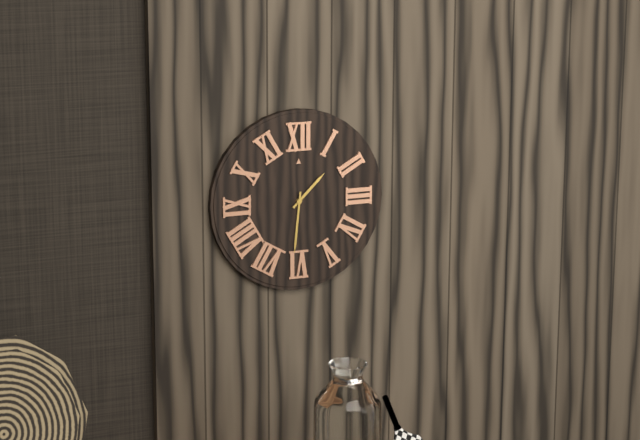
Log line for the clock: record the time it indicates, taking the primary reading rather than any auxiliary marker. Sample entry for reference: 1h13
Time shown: 1h31
